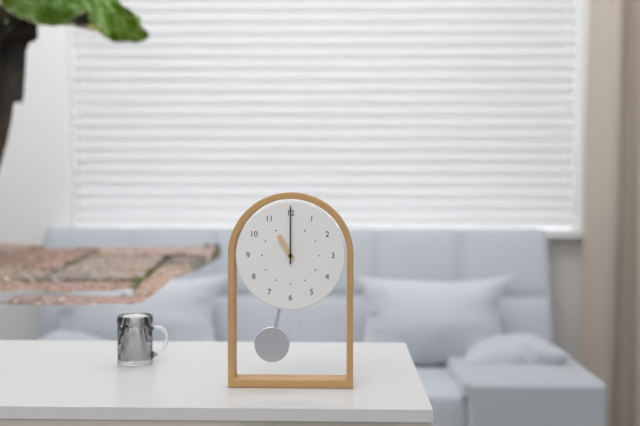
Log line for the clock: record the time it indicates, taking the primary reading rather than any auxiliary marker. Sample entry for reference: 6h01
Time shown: 11h00
